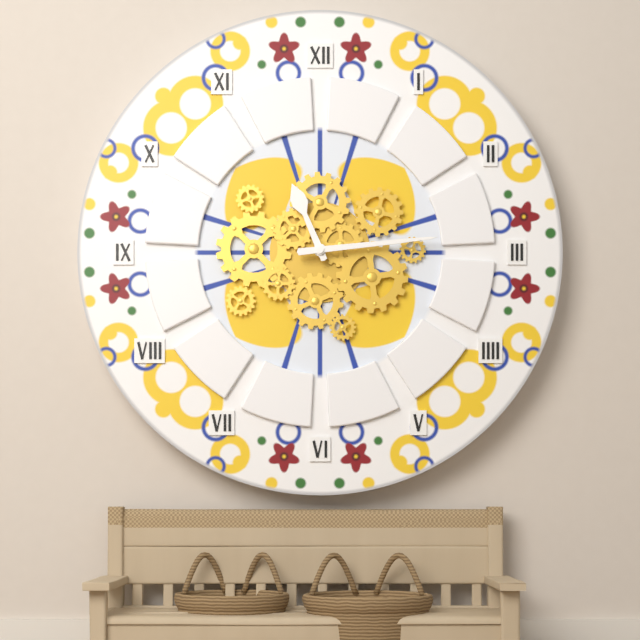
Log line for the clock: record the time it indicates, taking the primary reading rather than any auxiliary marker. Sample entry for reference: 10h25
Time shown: 11h14
